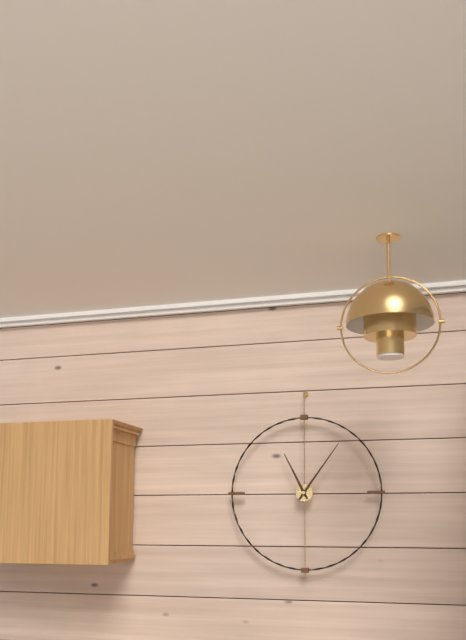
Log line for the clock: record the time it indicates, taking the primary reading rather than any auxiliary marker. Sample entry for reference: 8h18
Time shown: 11h06
